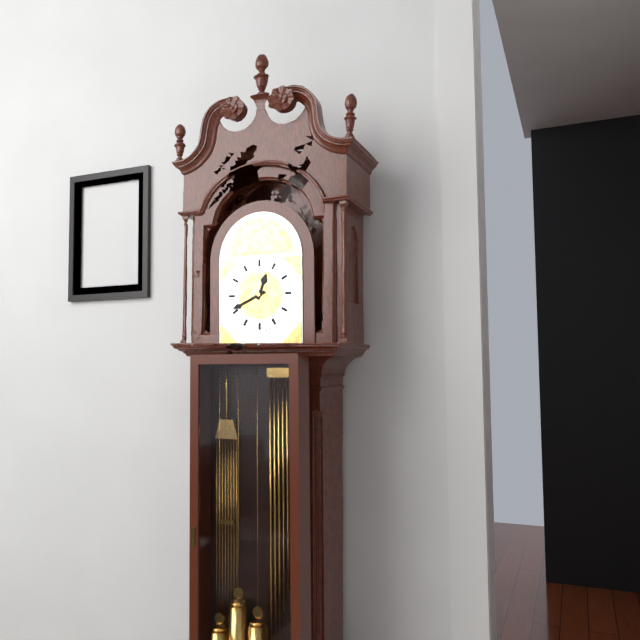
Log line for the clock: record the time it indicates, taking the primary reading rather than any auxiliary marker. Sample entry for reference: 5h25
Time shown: 12h41
